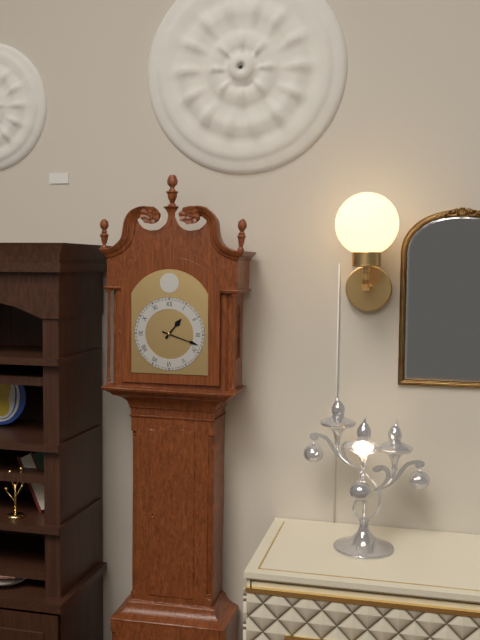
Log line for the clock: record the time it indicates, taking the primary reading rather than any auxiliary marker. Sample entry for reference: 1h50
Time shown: 1h18
